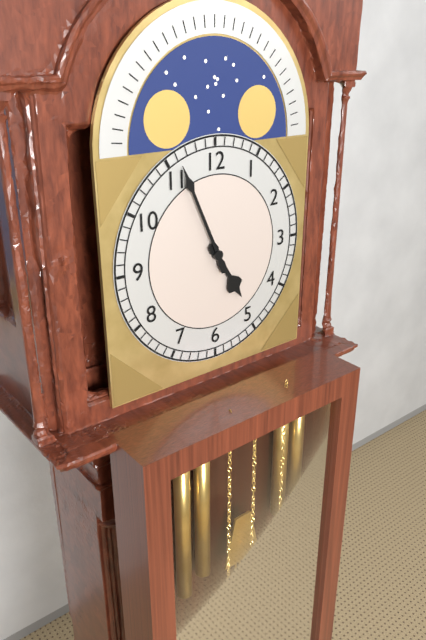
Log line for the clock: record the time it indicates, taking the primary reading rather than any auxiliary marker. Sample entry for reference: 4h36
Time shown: 4h56
